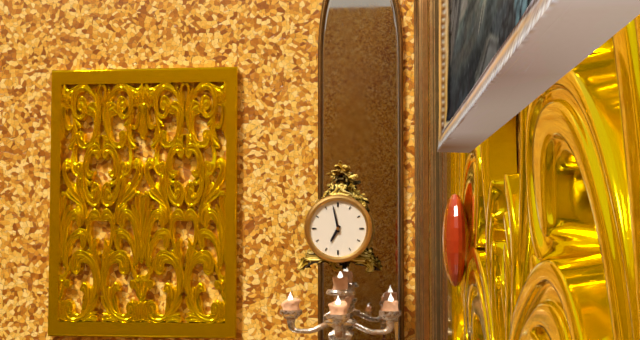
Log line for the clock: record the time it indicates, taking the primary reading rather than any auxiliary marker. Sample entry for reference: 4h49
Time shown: 6h58
